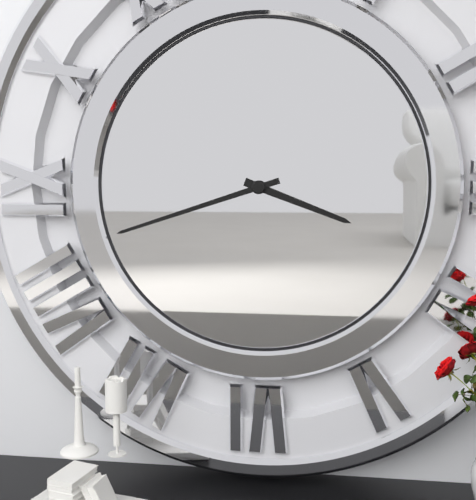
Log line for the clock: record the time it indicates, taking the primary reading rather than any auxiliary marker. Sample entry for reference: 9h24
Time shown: 3h42
